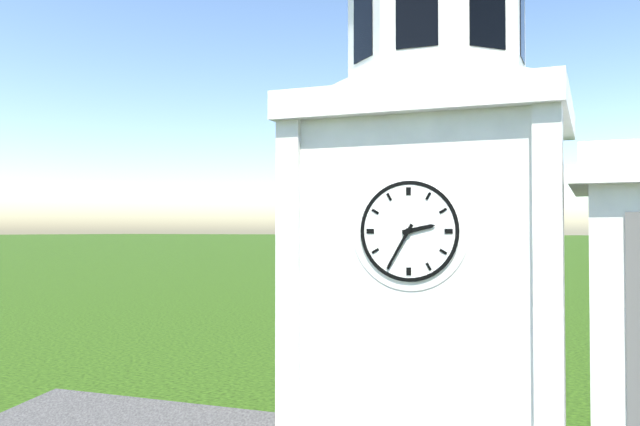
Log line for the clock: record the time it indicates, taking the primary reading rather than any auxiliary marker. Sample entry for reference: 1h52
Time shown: 2h35
